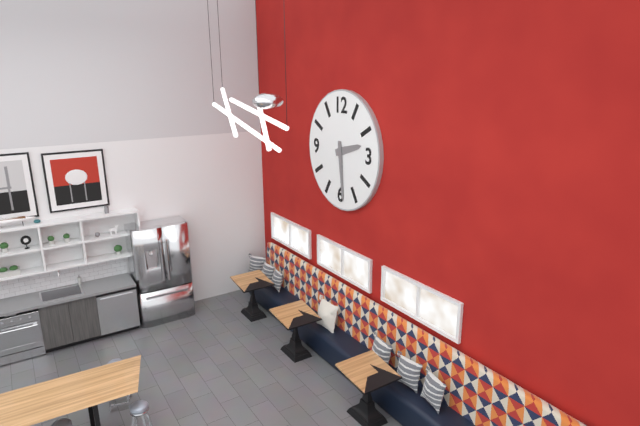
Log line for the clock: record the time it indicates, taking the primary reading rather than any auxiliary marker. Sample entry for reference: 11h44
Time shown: 2h29
